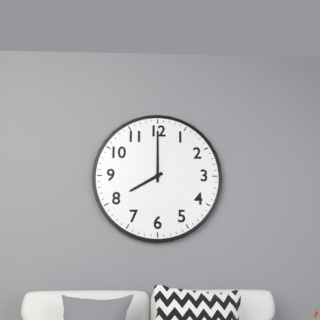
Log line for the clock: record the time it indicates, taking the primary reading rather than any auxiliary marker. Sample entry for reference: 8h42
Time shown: 8h00
